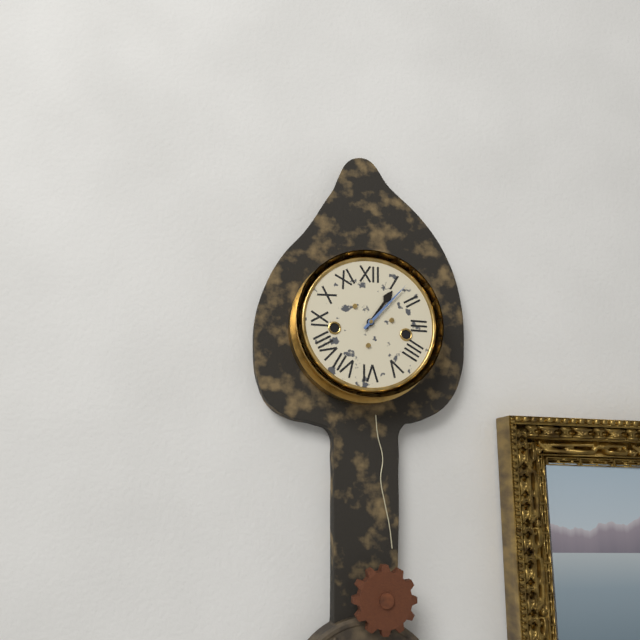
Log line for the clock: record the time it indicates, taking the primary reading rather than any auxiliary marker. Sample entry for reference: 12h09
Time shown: 1h07
